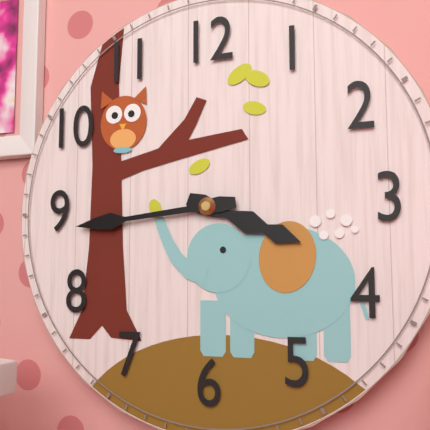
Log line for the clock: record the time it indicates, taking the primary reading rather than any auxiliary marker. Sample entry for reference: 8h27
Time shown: 3h44
